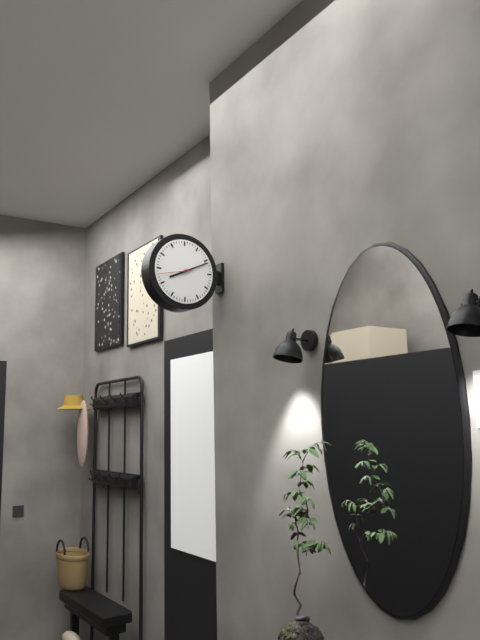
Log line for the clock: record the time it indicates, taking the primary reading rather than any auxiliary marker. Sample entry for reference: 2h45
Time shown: 8h11
